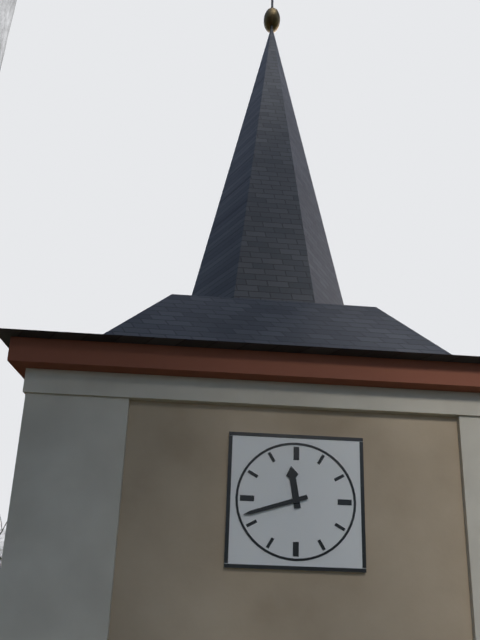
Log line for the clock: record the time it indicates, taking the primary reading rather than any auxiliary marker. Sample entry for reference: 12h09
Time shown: 11h42
